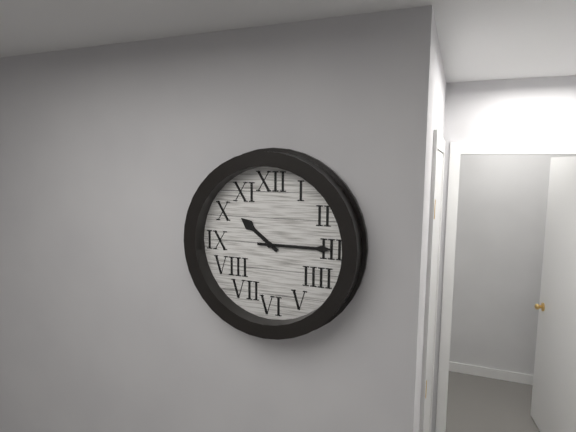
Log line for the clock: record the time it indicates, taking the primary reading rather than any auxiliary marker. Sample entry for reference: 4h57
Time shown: 10h15
